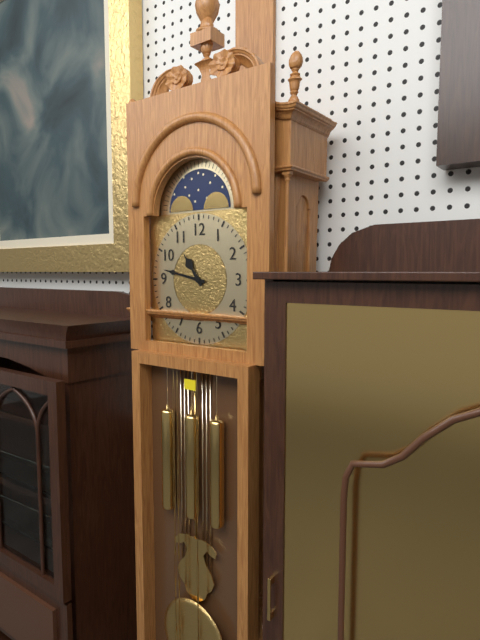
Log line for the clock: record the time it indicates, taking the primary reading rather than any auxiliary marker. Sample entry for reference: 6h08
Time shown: 10h47
